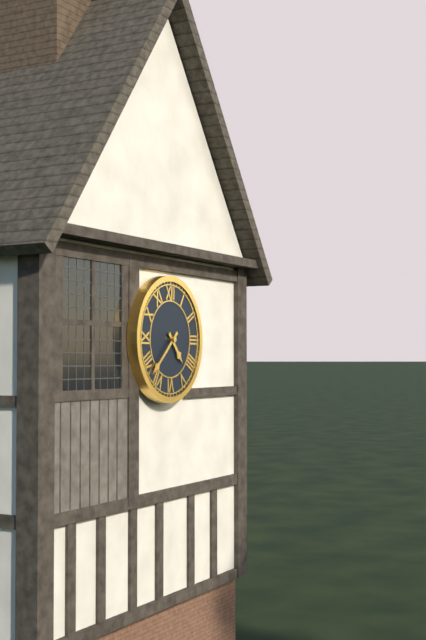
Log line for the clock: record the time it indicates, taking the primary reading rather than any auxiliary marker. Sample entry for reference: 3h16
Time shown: 4h38
